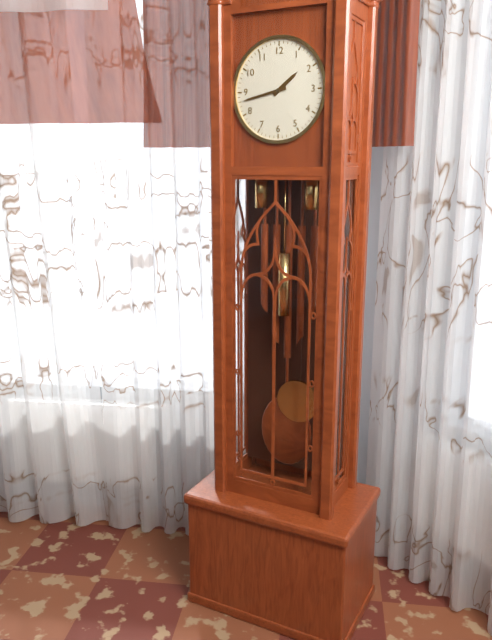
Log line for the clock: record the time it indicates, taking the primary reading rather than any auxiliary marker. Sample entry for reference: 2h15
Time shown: 1h43
